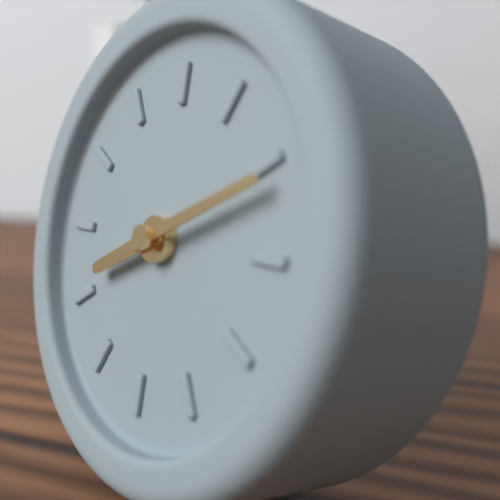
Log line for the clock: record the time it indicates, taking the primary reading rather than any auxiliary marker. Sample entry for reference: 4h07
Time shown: 8h11
